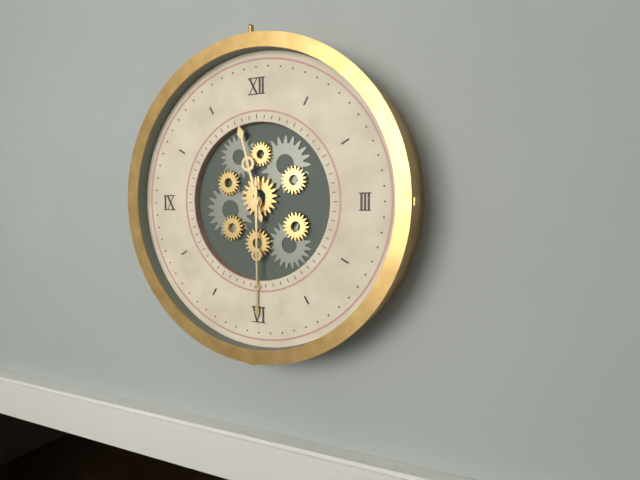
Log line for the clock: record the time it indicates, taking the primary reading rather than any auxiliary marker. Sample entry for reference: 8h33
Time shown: 11h30
